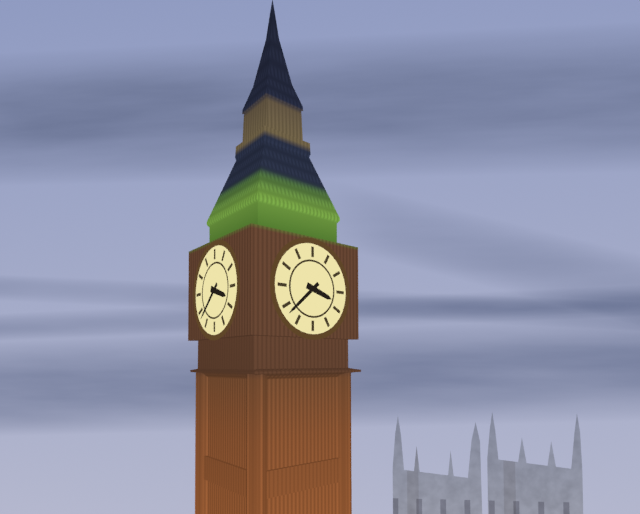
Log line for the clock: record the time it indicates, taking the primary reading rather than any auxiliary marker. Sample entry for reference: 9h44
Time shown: 3h38
